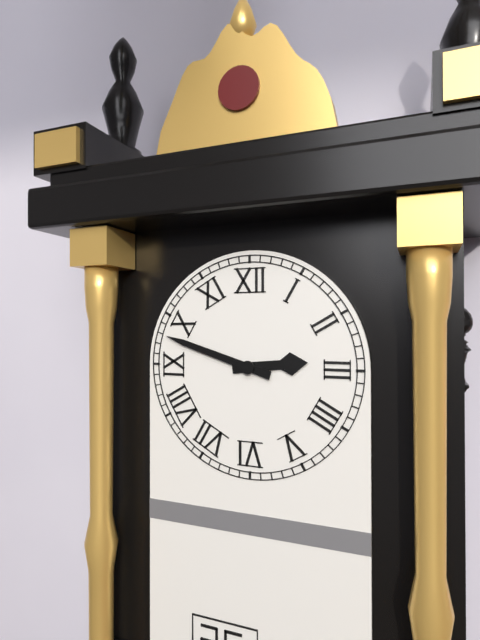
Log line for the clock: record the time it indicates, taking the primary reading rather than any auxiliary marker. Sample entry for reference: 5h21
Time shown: 2h48
